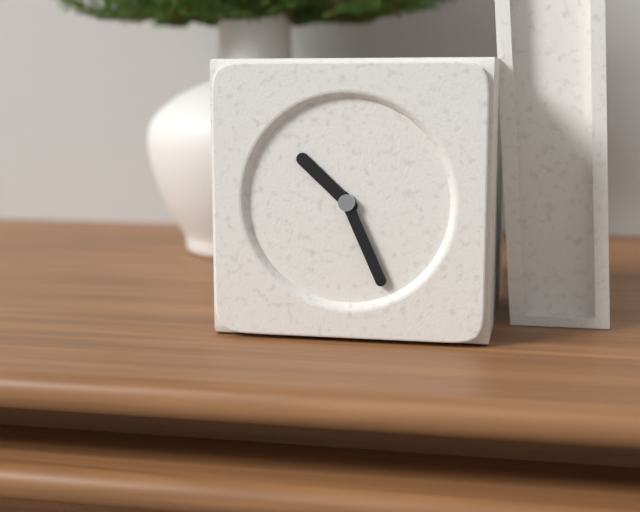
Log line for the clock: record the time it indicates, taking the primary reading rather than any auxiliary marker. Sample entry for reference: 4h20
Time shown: 10h26
